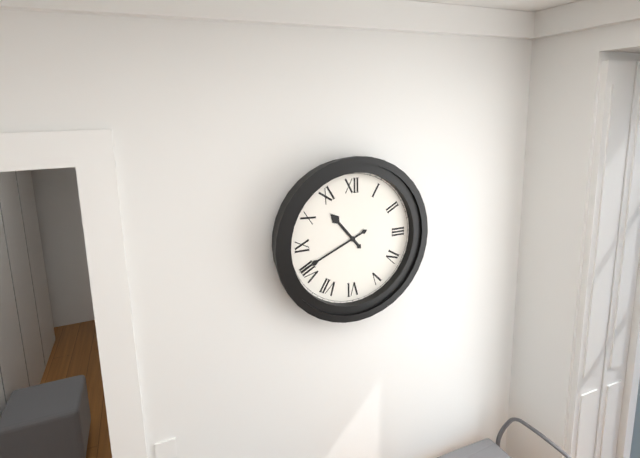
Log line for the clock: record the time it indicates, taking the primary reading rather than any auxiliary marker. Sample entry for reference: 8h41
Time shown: 10h41
